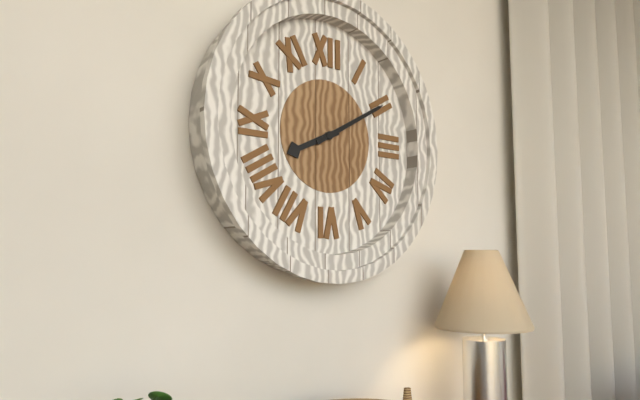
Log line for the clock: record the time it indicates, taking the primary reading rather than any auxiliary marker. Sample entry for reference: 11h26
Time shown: 8h10
